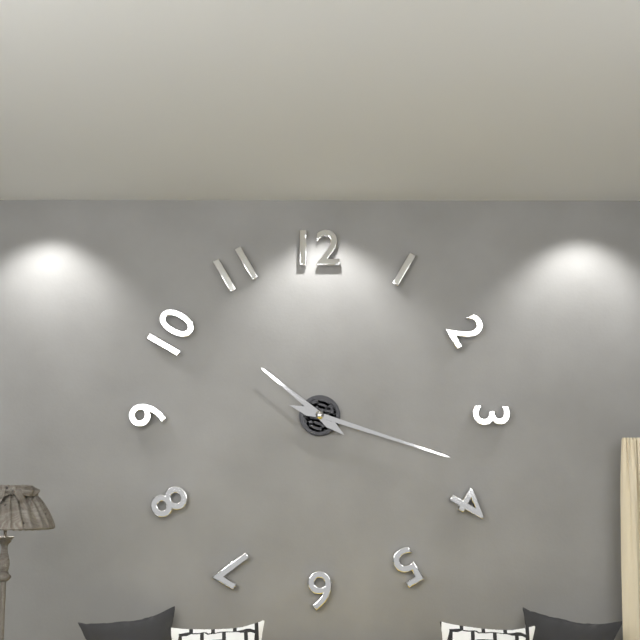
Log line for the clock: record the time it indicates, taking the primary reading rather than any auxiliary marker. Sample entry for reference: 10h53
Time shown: 10h18
